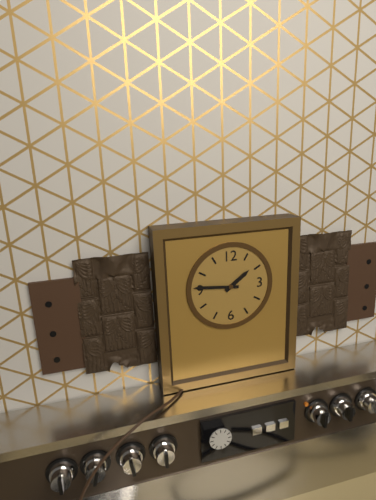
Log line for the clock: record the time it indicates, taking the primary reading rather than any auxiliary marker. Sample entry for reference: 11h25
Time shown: 1h46
